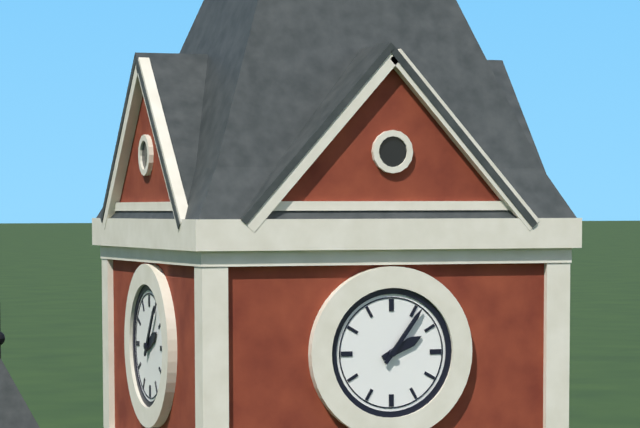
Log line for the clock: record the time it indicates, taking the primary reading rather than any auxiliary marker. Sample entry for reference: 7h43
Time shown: 2h06
